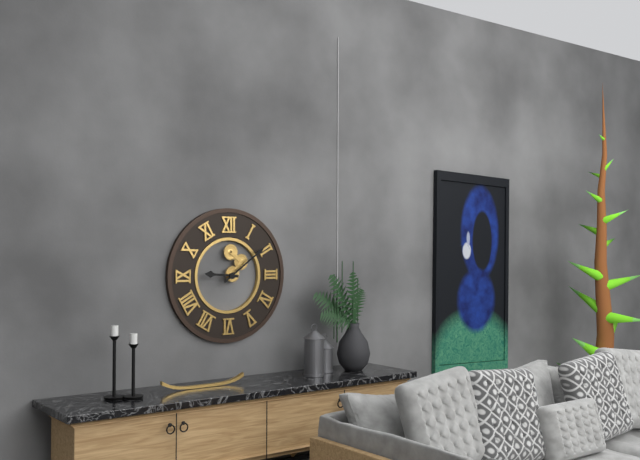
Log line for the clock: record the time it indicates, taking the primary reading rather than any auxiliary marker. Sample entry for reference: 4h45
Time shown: 9h09
